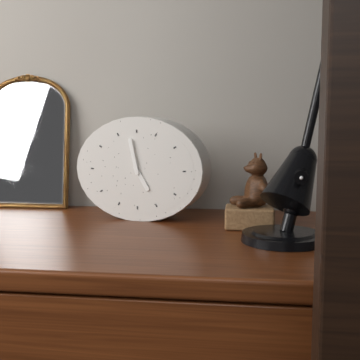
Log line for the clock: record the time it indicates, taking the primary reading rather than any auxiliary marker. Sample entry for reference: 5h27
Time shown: 4h58
